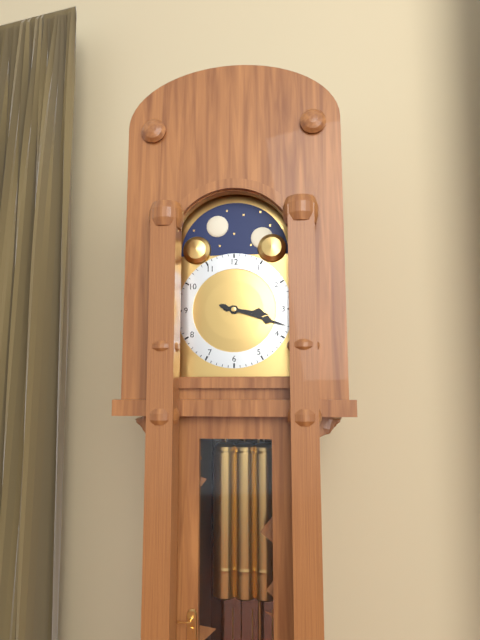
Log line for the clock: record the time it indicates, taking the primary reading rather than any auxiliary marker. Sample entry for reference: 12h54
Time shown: 3h18
